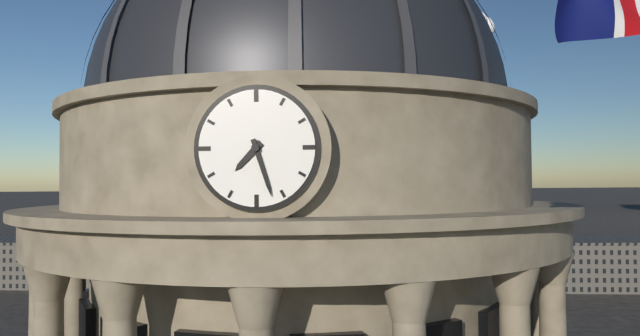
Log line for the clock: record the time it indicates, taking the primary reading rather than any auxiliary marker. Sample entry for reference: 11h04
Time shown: 7h27
